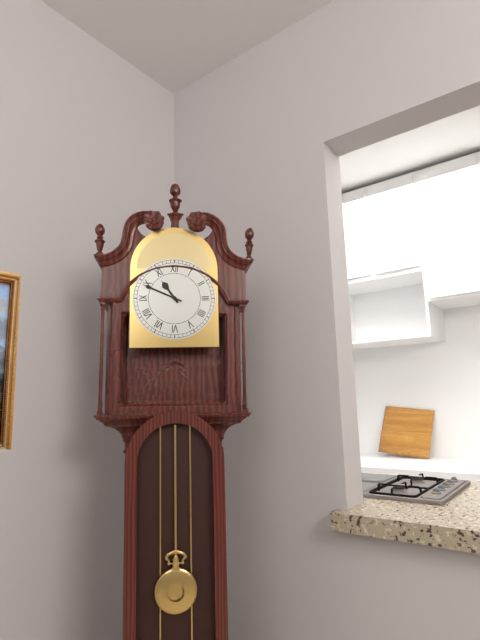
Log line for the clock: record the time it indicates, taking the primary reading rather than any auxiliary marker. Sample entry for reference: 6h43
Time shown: 10h49
